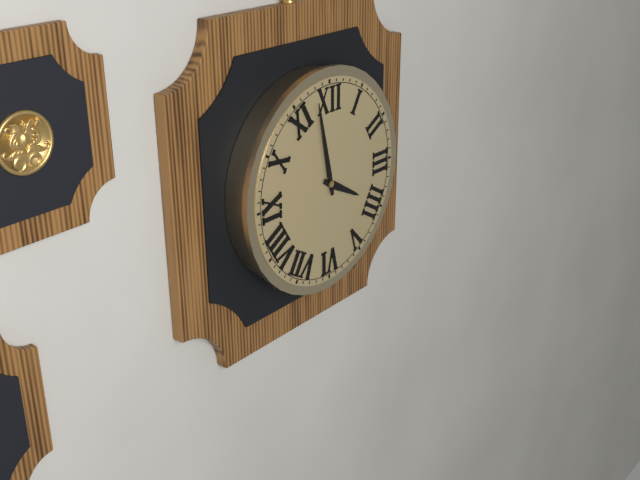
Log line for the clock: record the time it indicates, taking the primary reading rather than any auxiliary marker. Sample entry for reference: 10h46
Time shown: 3h58
